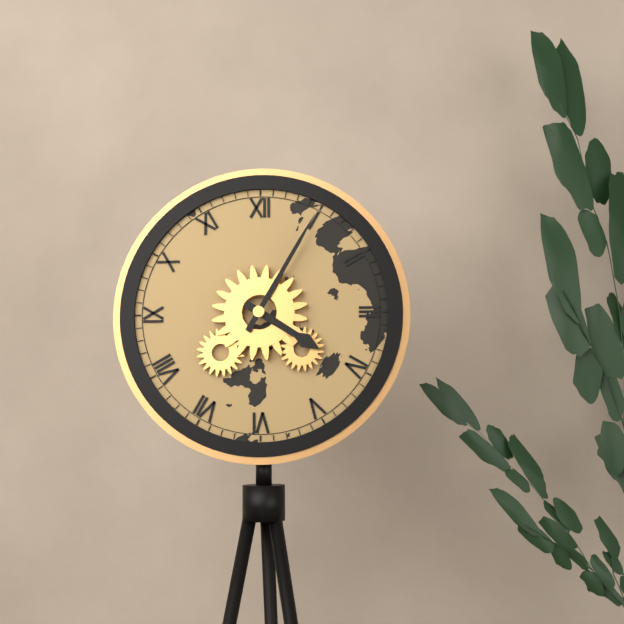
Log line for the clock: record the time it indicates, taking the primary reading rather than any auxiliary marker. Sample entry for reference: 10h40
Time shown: 4h05
